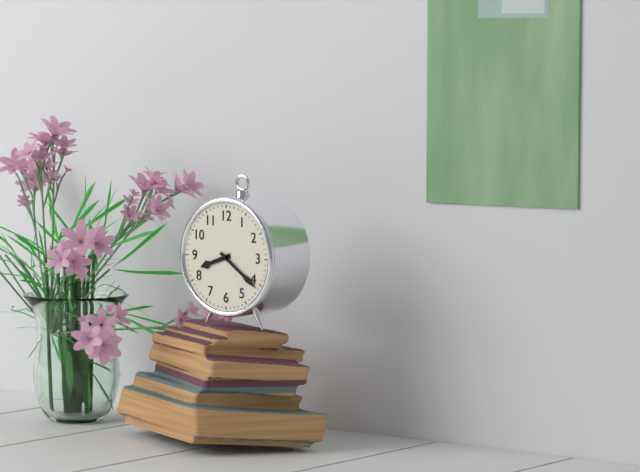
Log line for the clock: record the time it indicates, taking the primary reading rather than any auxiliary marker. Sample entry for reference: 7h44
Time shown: 8h21
